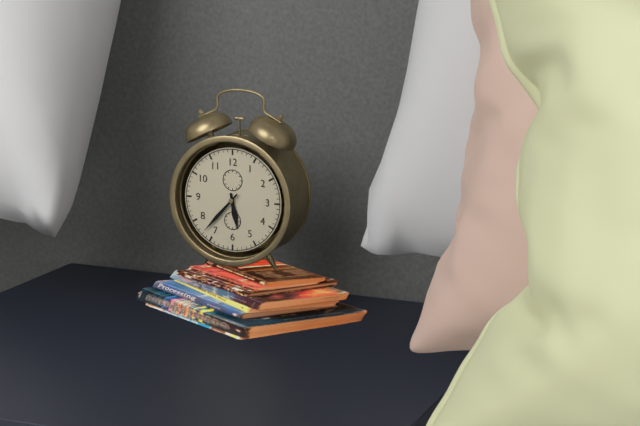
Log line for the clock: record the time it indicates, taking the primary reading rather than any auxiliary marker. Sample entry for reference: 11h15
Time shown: 5h37
